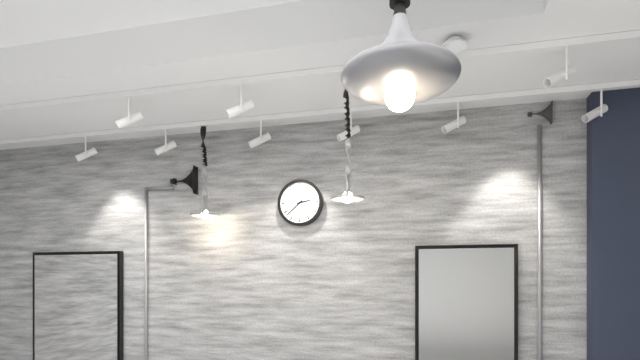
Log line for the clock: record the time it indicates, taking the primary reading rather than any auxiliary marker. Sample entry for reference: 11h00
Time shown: 2h38
